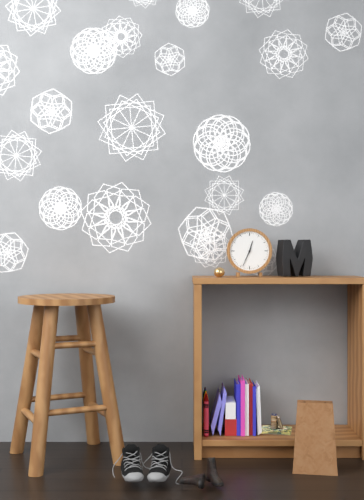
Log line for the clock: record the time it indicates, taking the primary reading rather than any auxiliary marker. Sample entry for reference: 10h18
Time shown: 12h34
